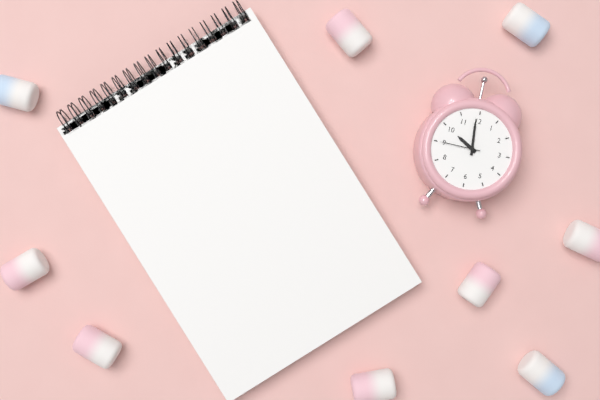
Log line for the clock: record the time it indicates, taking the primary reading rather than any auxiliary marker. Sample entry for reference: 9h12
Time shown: 9h59
